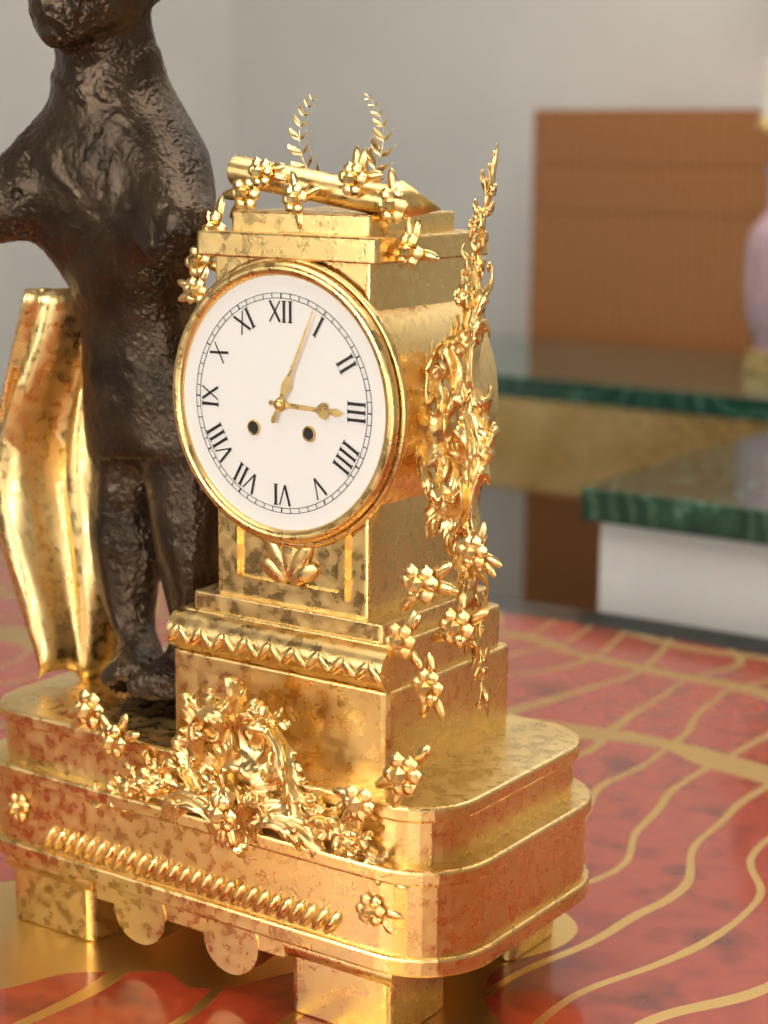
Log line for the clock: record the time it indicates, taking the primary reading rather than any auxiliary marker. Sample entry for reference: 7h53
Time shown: 3h04
